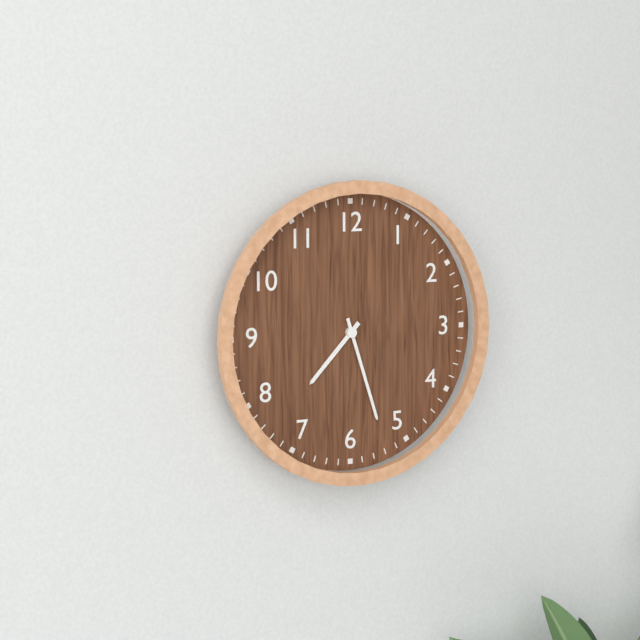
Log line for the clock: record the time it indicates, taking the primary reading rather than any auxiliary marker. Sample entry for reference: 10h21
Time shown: 7h27
